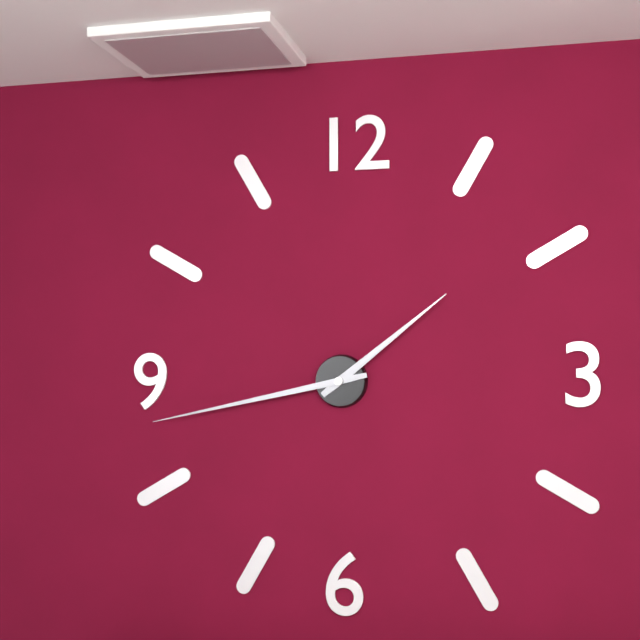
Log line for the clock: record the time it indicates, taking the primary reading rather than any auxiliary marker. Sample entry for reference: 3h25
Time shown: 1h43
